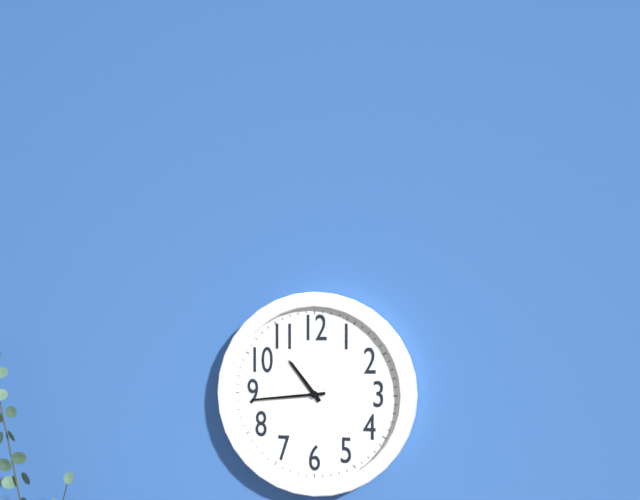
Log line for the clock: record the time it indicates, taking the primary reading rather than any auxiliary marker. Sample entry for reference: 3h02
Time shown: 10h44
